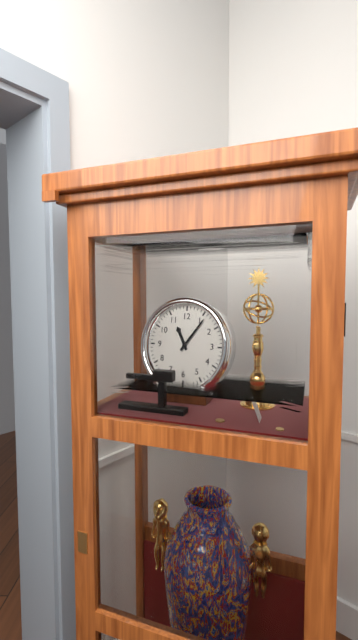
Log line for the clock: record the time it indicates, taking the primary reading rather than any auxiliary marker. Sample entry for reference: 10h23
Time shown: 11h06
